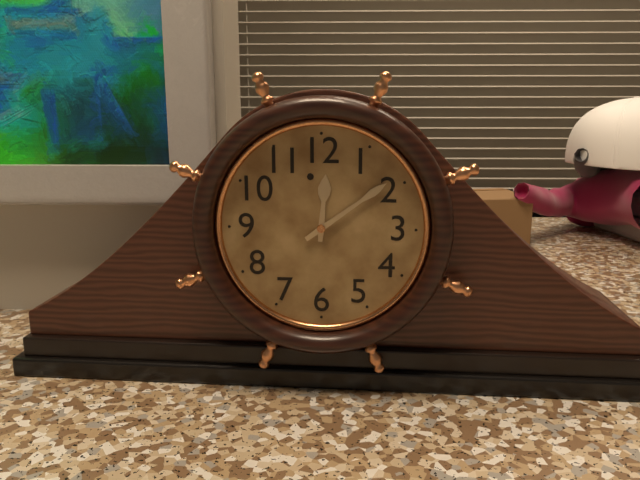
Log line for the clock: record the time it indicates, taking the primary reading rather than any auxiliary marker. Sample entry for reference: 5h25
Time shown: 12h09
